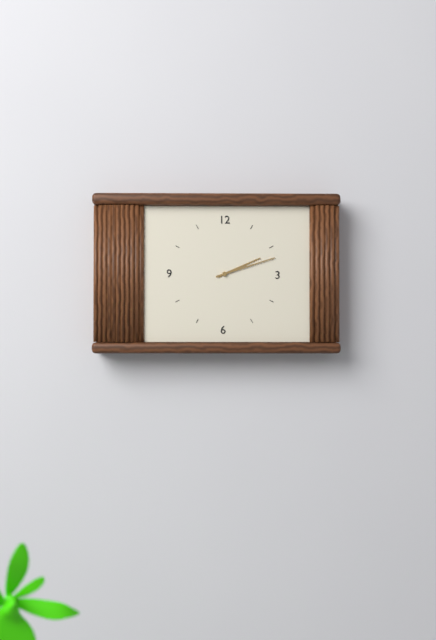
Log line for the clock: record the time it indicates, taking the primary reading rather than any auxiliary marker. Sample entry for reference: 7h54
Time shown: 2h12
